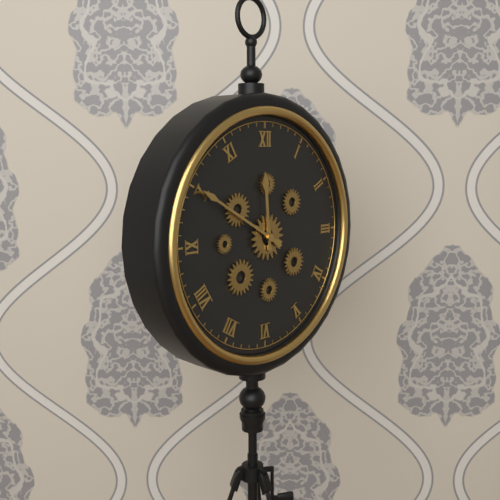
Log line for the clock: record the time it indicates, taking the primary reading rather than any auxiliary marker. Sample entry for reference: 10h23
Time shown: 11h50
